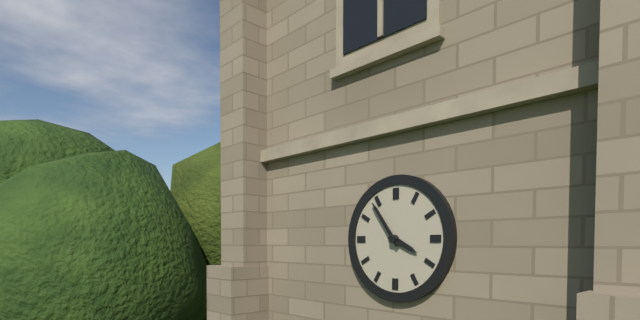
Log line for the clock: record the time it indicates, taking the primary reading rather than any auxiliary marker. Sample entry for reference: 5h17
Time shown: 3h54
